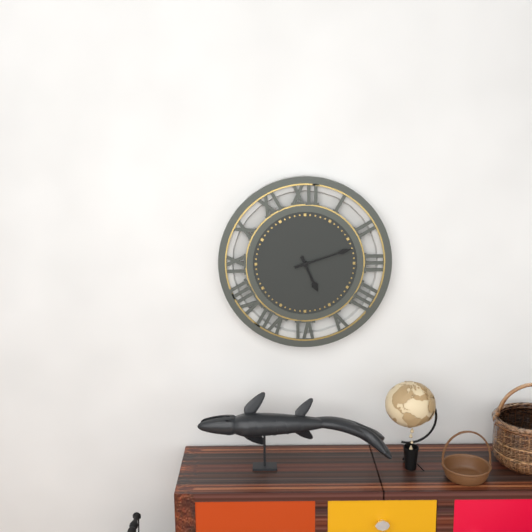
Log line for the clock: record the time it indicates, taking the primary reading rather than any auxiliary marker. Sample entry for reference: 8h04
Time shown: 5h12
